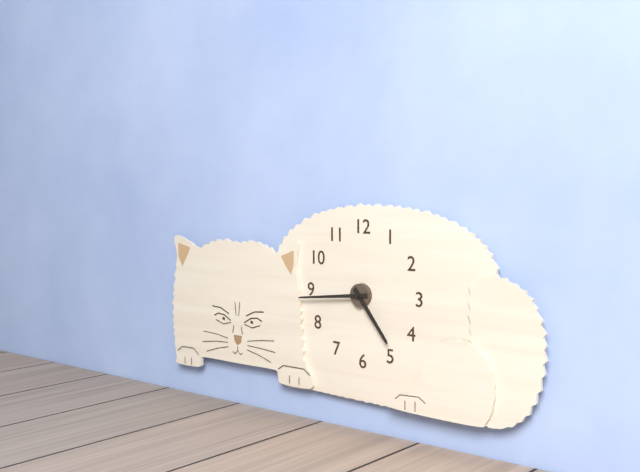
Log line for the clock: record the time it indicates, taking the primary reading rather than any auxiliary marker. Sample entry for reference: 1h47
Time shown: 4h44
